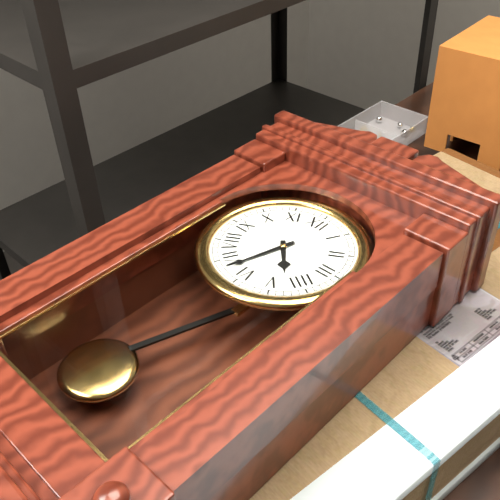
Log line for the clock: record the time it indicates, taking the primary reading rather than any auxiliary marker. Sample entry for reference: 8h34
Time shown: 4h33
